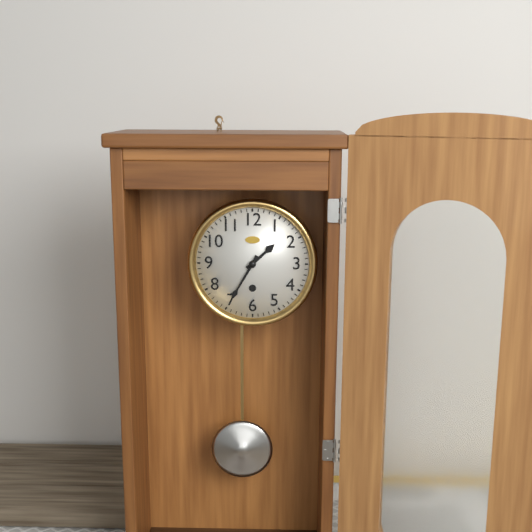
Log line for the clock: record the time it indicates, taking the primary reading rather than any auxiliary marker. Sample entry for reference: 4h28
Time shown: 1h35
